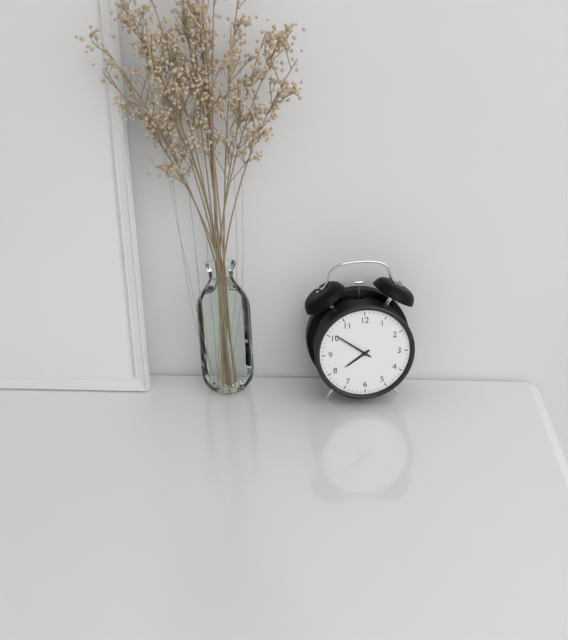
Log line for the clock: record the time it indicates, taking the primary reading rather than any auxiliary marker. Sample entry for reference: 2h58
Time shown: 7h51
